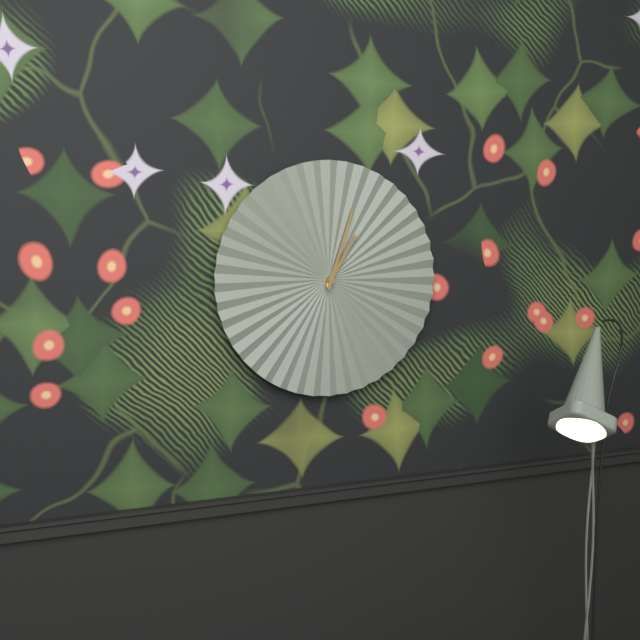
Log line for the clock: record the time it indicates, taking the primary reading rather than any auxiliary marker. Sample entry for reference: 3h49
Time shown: 1h03
